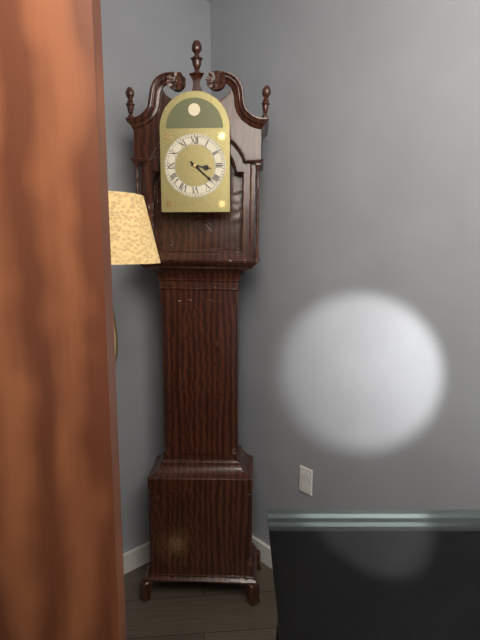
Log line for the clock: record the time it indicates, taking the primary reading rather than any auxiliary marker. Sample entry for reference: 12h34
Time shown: 3h22
